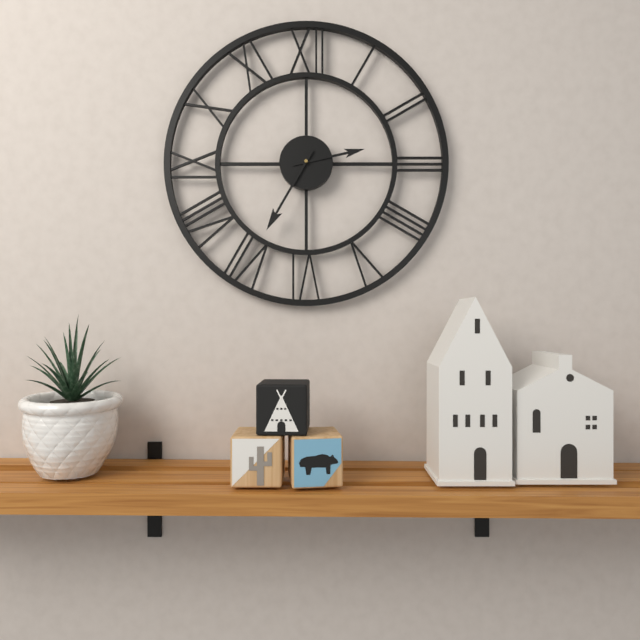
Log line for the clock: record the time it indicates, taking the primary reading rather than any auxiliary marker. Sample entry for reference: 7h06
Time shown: 2h35
